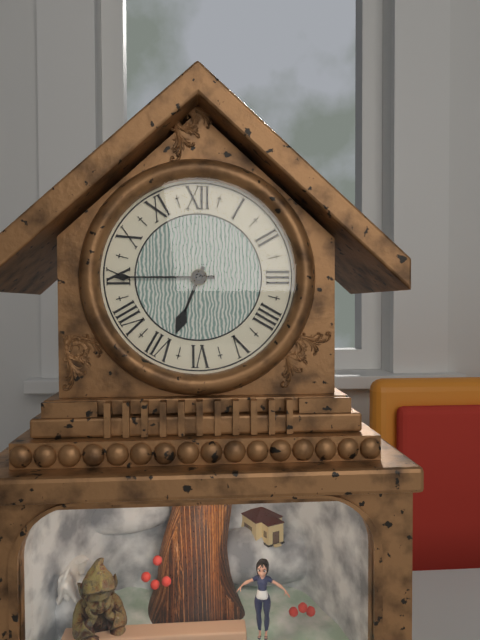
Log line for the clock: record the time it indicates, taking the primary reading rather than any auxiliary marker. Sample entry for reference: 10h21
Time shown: 6h45
